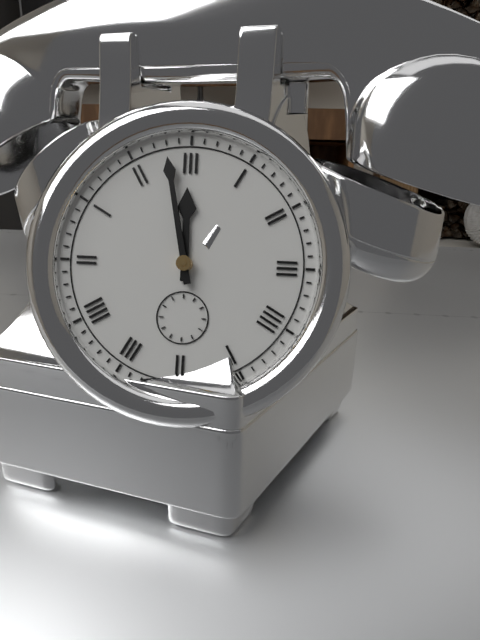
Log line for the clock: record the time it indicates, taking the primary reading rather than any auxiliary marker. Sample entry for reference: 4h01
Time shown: 11h58
